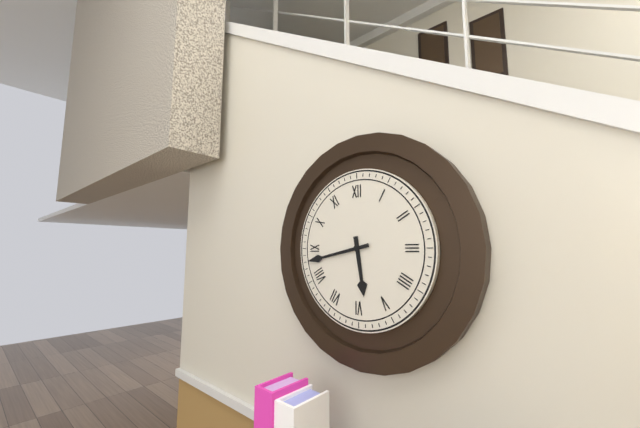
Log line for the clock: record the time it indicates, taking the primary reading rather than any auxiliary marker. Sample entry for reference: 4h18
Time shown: 5h43
